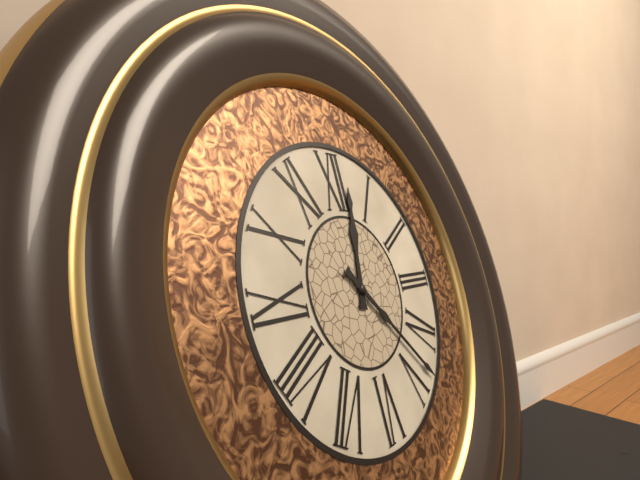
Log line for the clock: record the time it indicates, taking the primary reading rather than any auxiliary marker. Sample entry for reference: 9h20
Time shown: 12h23
